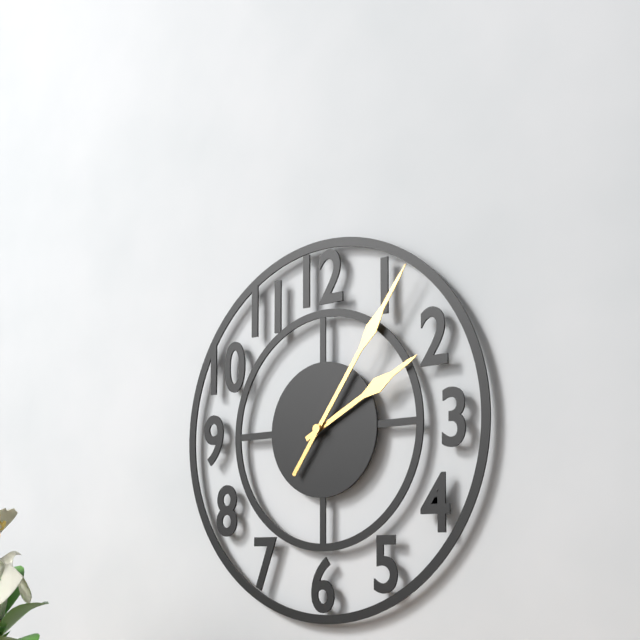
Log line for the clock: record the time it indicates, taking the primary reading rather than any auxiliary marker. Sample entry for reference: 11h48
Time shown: 2h06
